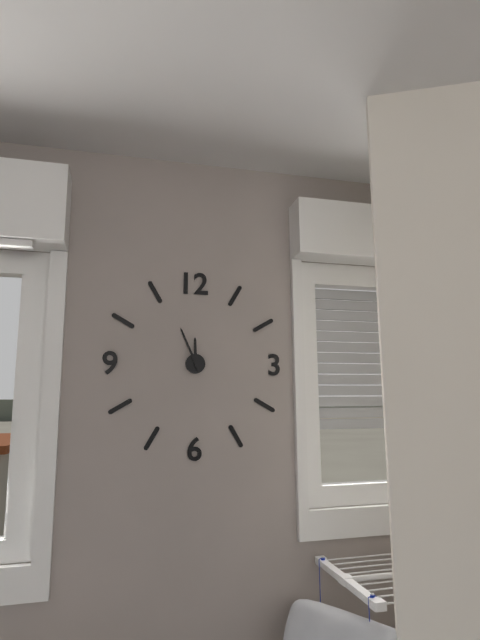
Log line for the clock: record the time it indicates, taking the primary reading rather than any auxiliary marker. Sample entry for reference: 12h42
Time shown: 11h56
